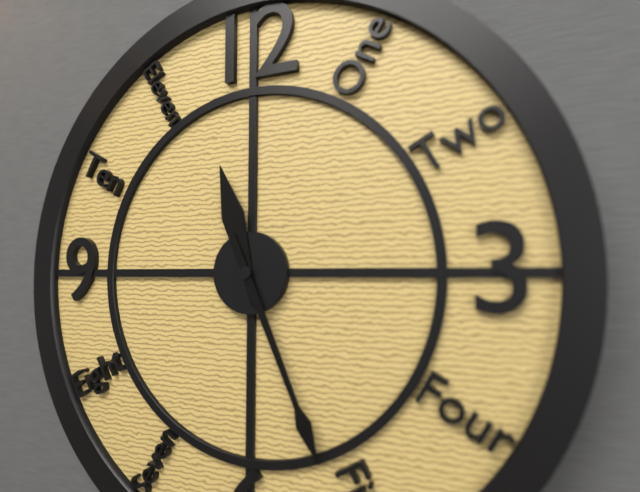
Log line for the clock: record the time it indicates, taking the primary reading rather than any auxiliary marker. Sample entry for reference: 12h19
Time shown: 11h26
